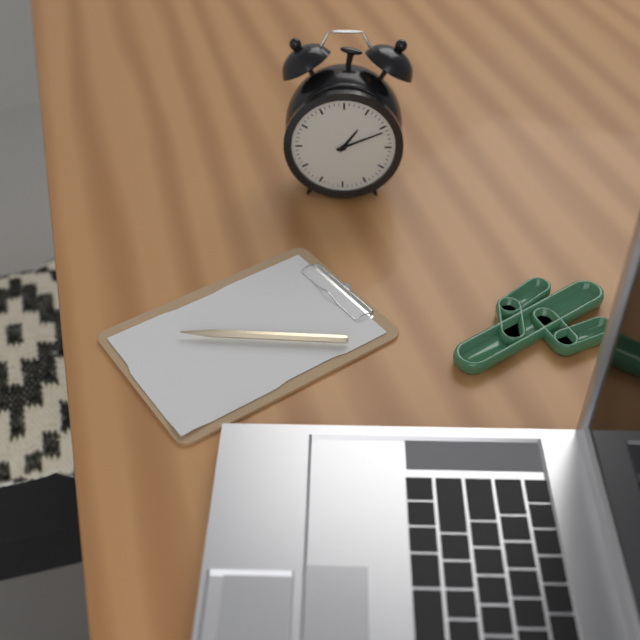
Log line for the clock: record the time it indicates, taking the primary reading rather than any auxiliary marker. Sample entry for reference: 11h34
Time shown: 1h11
